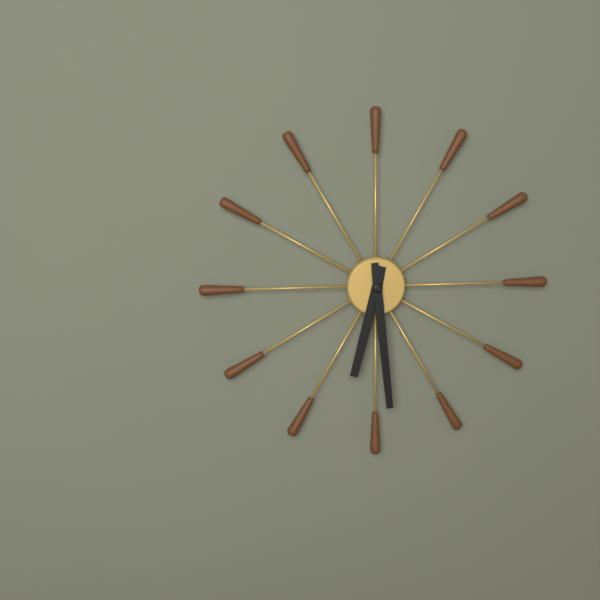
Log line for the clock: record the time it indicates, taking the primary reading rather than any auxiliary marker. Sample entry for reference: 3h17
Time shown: 6h29
